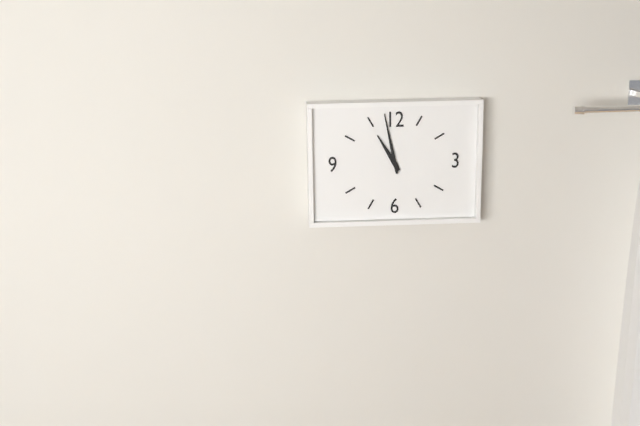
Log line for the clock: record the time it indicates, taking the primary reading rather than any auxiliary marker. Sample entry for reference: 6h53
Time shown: 10h58
